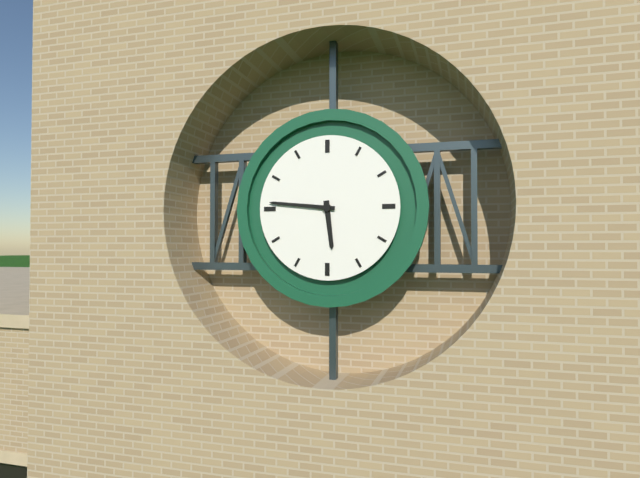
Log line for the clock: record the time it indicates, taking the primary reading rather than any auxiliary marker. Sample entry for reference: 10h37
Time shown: 5h46
